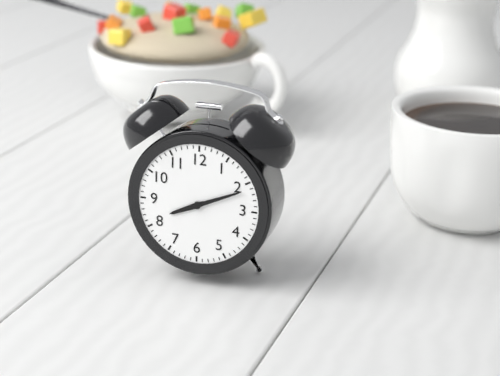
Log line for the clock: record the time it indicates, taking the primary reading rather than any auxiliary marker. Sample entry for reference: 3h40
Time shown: 8h11
